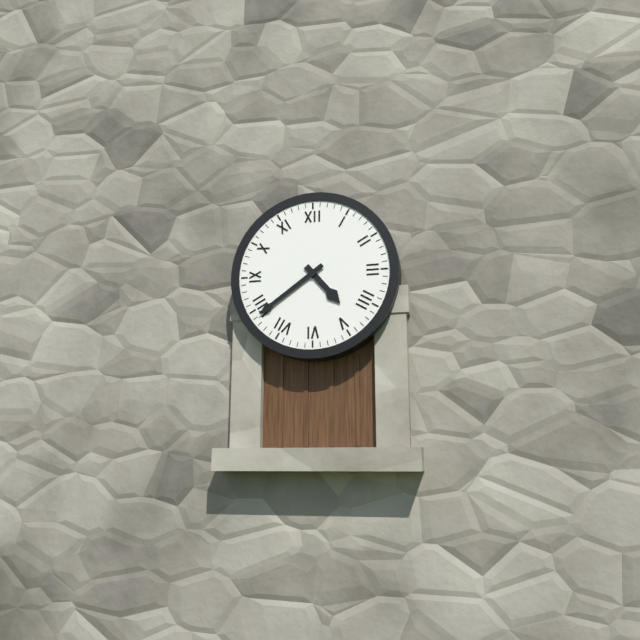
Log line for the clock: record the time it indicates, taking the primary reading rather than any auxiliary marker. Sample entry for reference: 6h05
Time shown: 4h39
